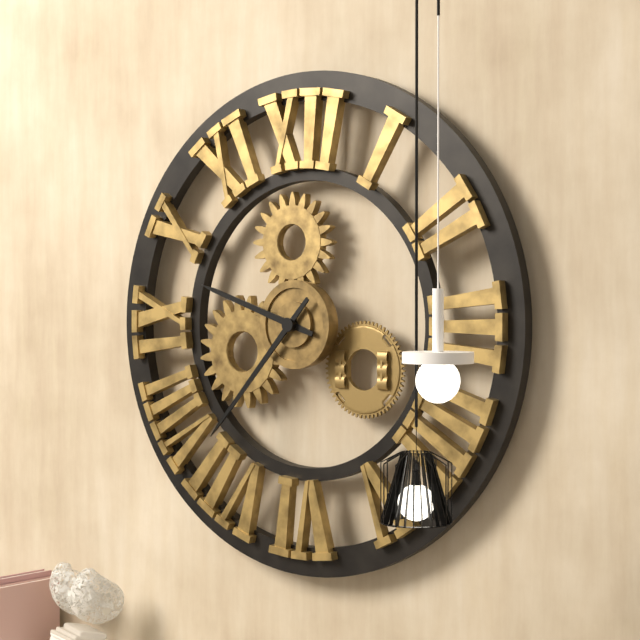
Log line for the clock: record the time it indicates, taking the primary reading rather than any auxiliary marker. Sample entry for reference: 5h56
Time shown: 9h37
